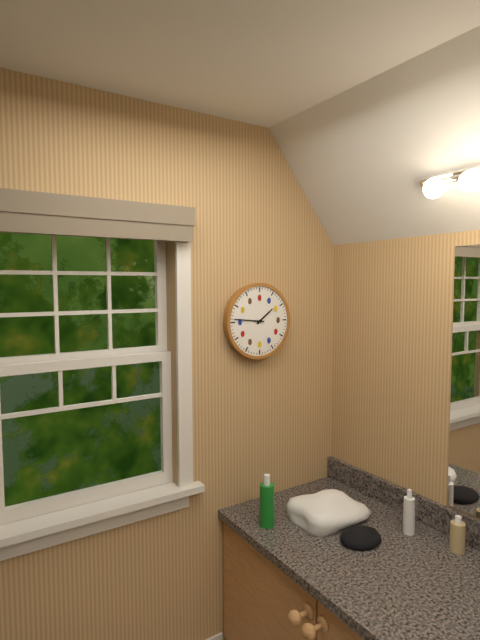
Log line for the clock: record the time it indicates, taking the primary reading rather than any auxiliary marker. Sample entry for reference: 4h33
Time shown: 1h46
